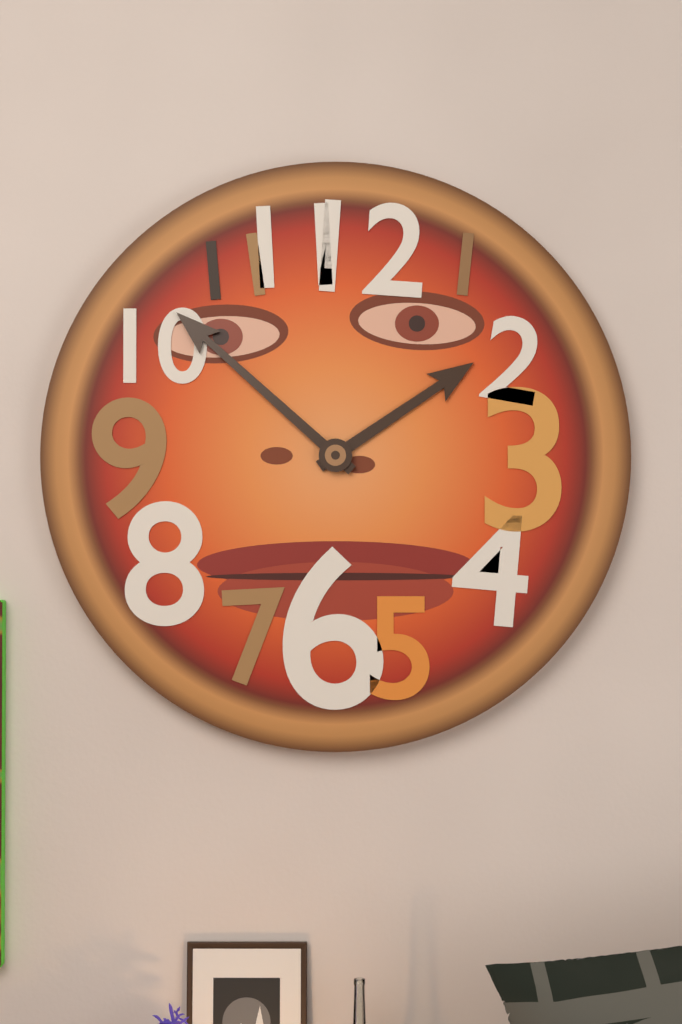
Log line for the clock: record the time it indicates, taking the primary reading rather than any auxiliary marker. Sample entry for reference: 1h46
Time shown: 1h52
